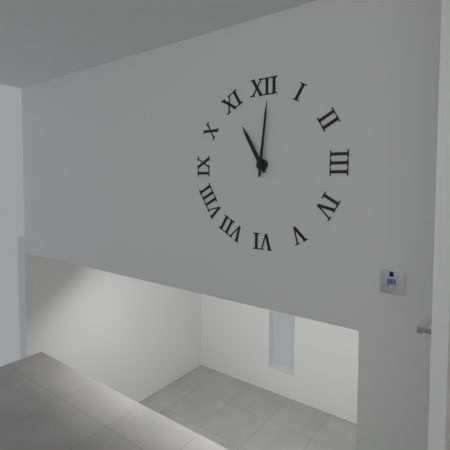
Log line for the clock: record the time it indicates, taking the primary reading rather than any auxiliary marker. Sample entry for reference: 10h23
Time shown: 11h01
